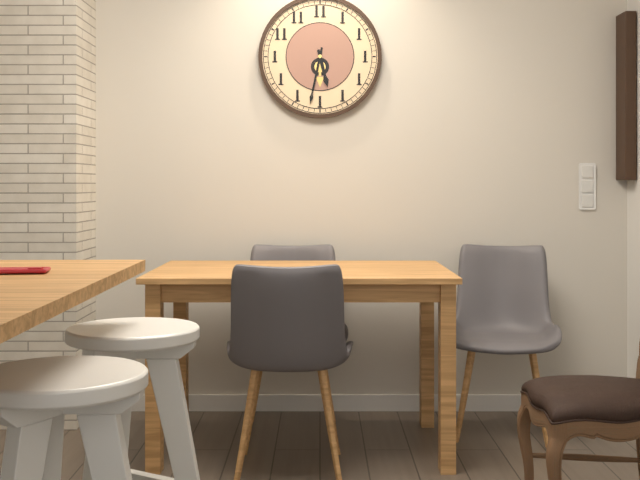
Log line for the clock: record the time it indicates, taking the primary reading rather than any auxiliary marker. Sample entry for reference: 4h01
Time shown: 5h32
